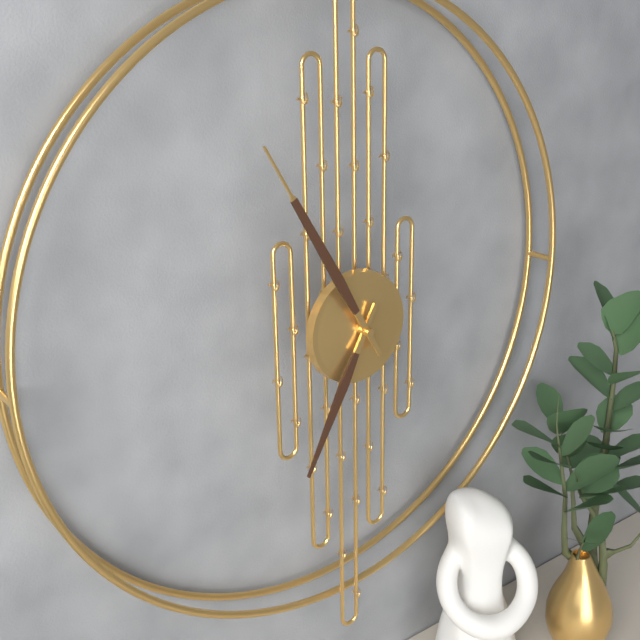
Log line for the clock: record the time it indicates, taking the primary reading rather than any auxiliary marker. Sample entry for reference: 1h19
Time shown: 6h55
